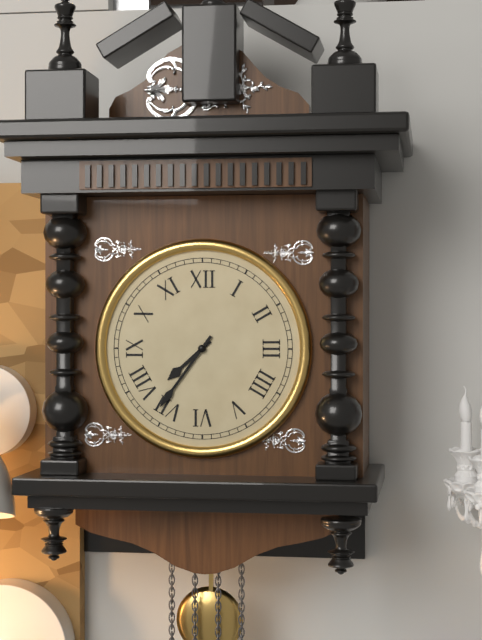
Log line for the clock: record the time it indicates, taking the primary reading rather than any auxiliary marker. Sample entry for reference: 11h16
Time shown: 7h36
